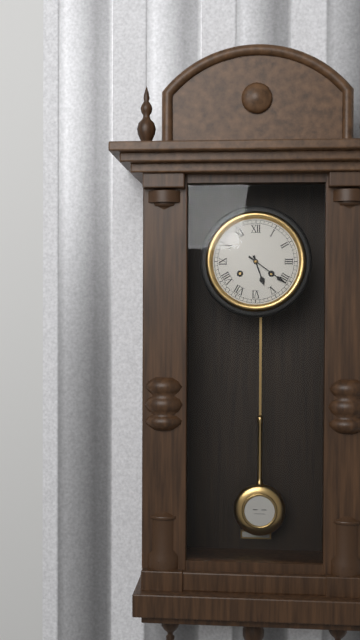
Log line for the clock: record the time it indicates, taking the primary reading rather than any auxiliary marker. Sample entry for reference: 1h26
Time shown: 5h21
